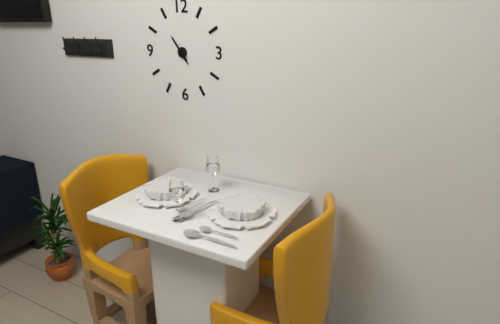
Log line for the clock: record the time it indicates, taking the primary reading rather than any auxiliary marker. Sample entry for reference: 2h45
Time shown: 4h54
